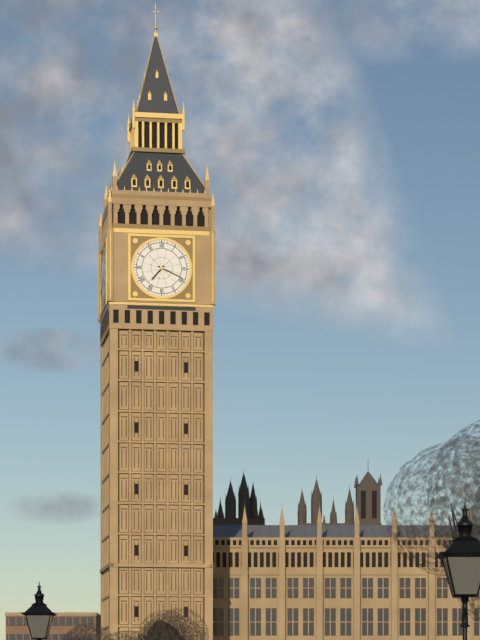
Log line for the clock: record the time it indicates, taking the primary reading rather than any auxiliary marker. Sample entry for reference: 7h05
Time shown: 7h19
